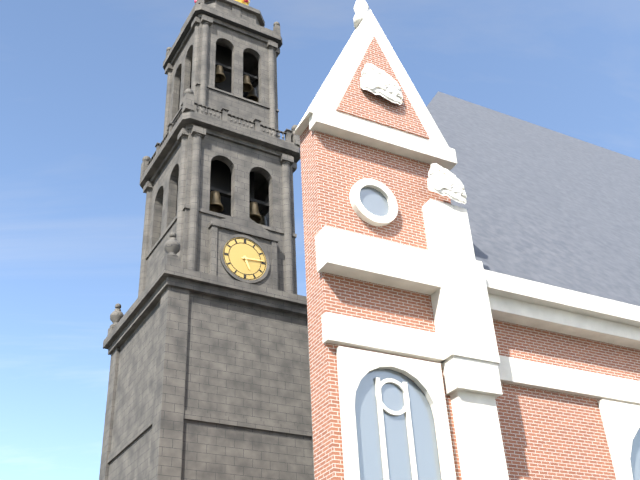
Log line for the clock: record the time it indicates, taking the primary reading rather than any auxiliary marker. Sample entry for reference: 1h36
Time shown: 5h14
